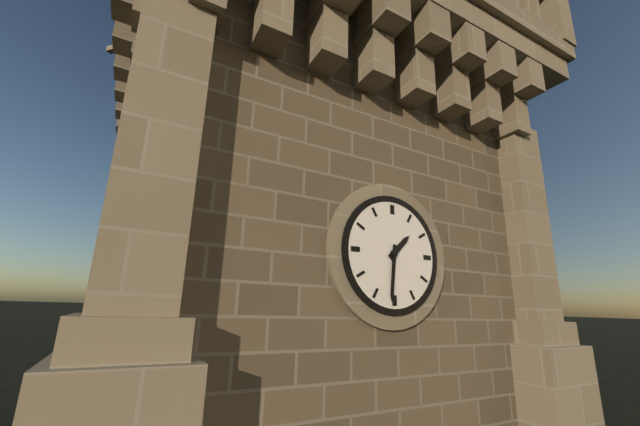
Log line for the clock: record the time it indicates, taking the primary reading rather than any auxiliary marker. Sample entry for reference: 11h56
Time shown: 1h31
